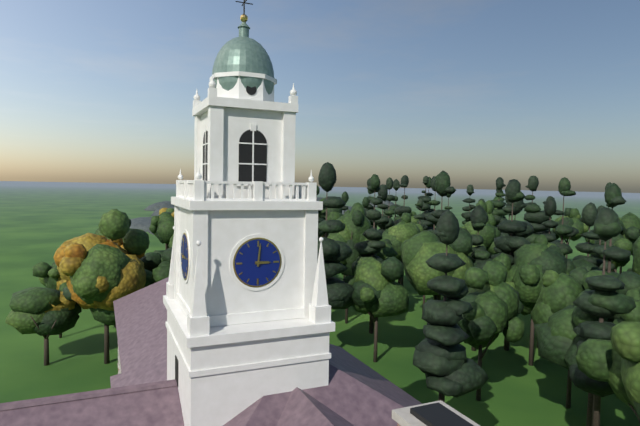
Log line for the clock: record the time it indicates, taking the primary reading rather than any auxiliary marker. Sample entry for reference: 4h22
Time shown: 3h01
